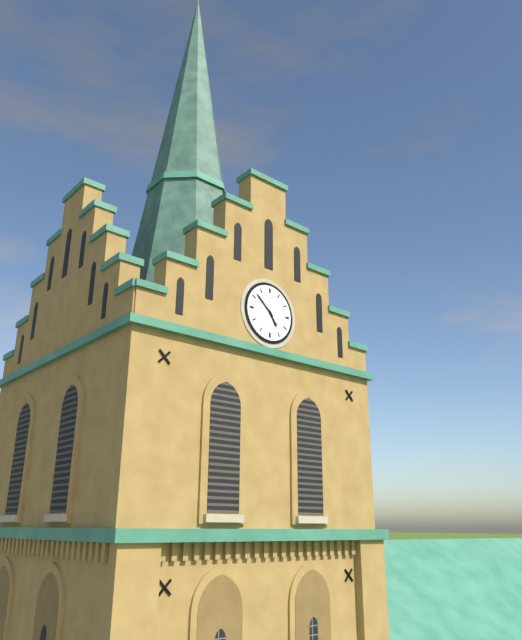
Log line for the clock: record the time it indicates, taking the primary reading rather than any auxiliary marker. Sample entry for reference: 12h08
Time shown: 4h52
